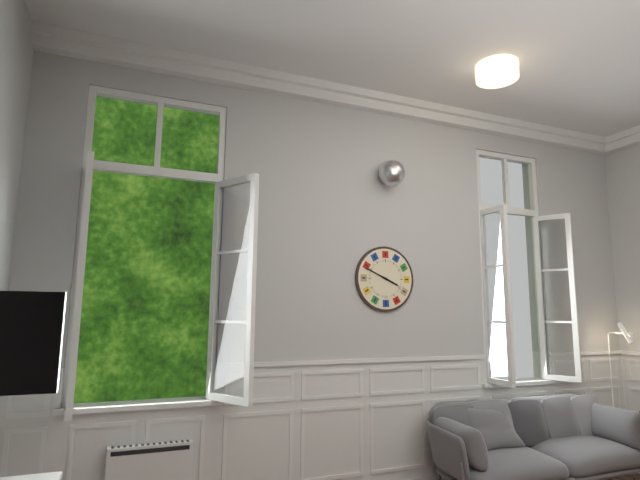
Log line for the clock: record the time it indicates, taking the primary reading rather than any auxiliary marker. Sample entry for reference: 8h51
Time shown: 3h49
